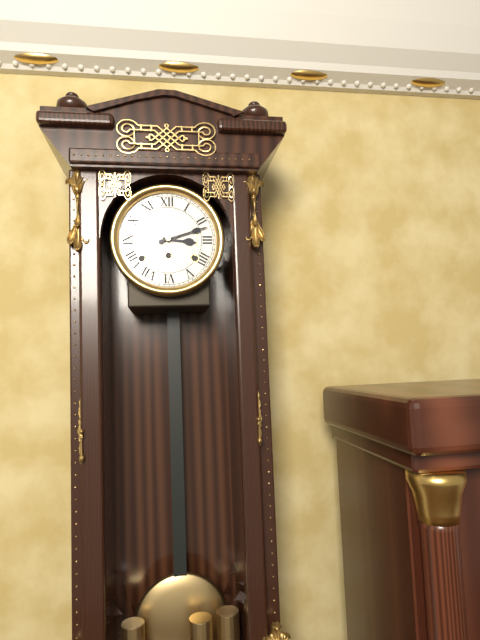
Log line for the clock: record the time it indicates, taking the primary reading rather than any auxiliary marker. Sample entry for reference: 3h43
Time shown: 3h12
